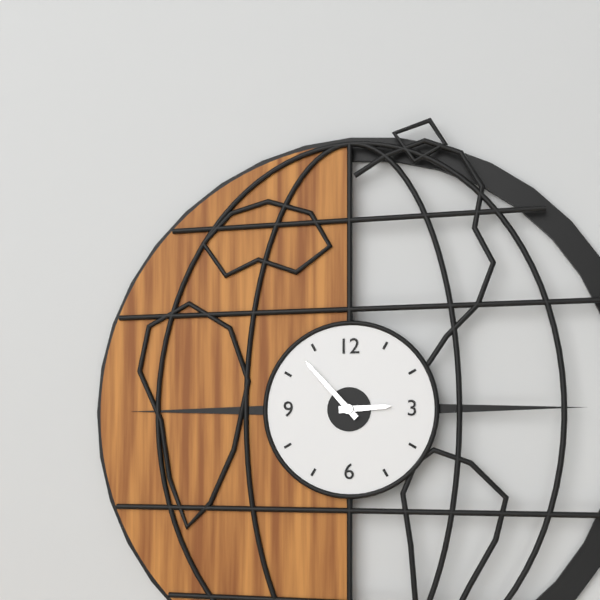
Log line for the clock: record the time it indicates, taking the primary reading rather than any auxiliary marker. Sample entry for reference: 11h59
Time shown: 2h53
